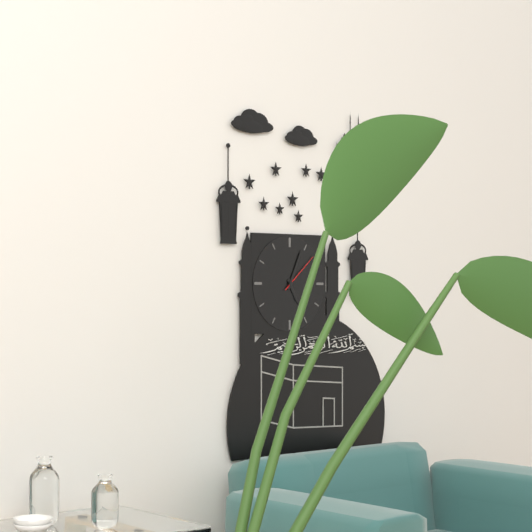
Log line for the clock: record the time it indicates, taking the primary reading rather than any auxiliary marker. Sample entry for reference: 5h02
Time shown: 5h04
